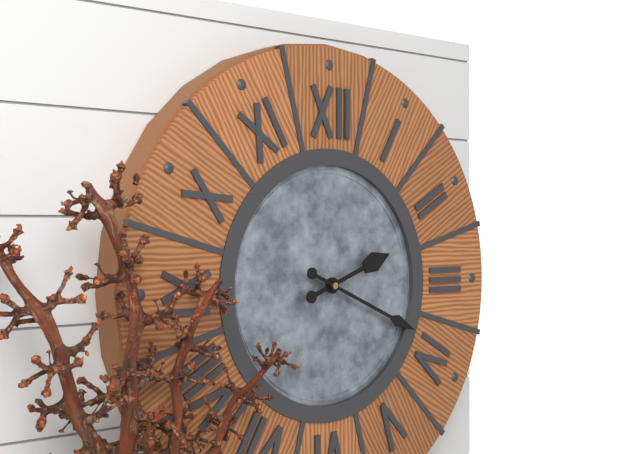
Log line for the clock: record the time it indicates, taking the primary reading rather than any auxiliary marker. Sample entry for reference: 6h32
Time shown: 2h19
